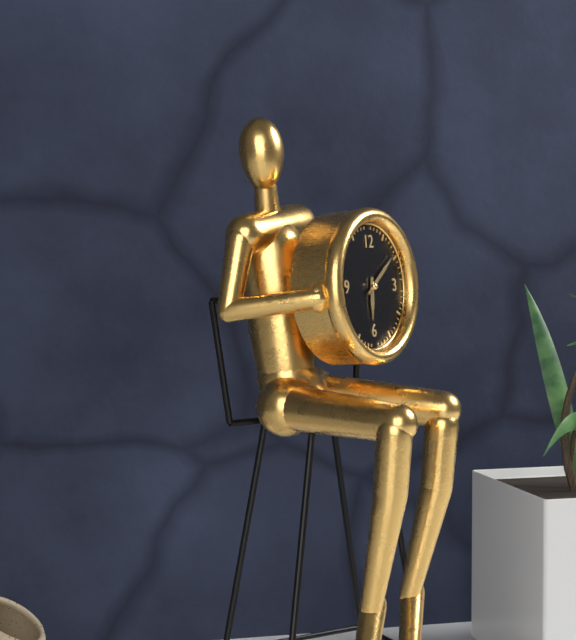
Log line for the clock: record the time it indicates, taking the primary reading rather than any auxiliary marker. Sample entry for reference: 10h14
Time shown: 6h09
